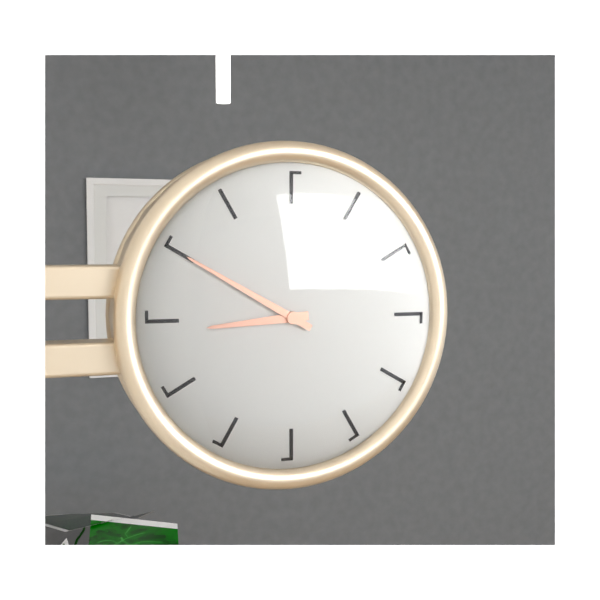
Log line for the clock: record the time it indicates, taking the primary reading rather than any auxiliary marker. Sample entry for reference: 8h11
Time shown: 8h50
